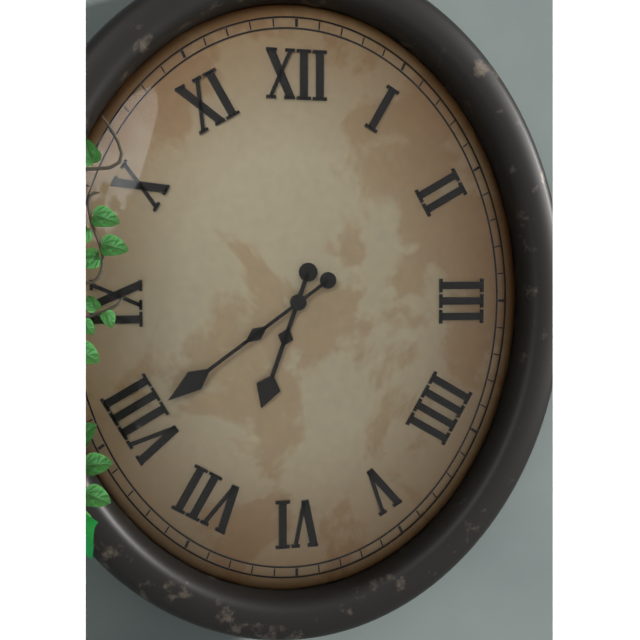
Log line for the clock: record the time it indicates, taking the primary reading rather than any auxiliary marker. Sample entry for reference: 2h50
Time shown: 6h39
